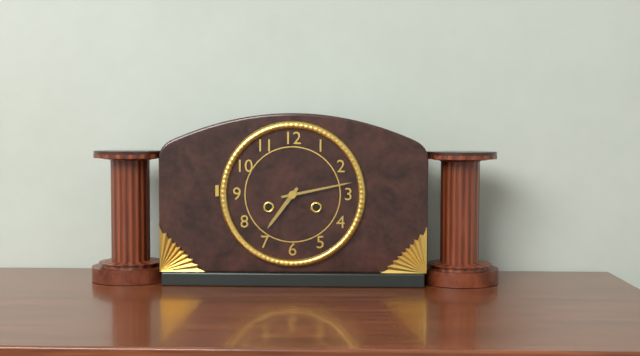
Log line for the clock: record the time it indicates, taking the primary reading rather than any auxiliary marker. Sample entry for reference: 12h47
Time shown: 7h13
